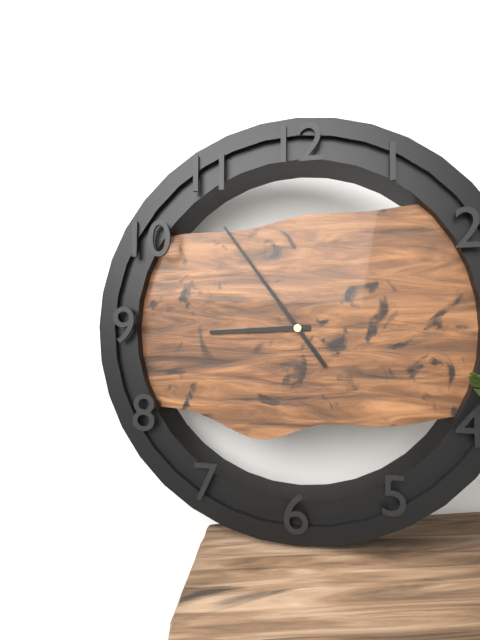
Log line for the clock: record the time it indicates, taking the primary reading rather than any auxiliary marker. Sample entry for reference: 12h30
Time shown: 8h54
